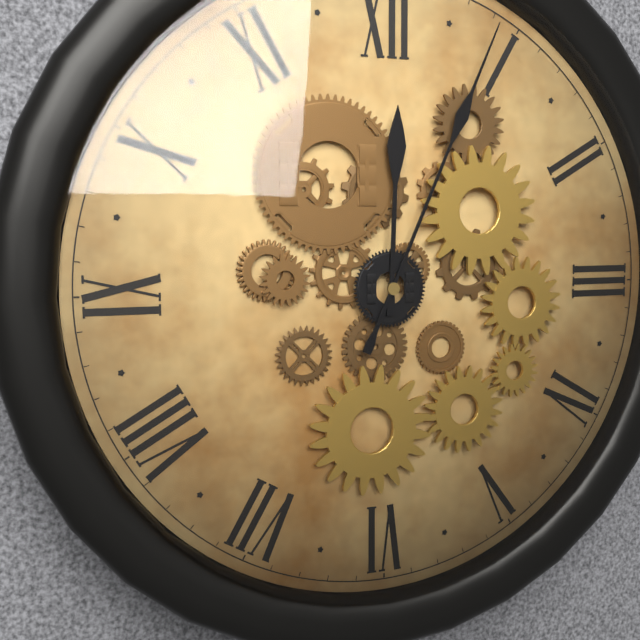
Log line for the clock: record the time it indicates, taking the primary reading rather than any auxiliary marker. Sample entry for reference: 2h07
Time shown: 12h04
